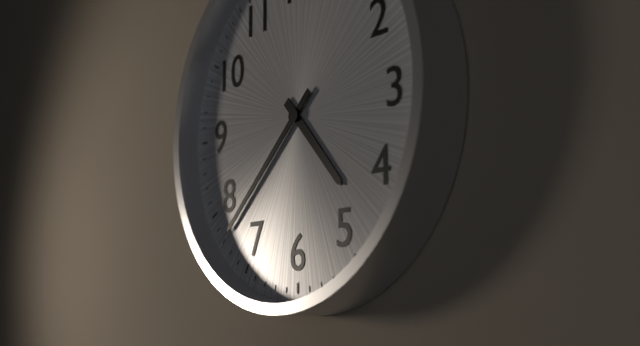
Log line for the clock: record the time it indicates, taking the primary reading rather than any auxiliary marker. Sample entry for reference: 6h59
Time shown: 4h38
